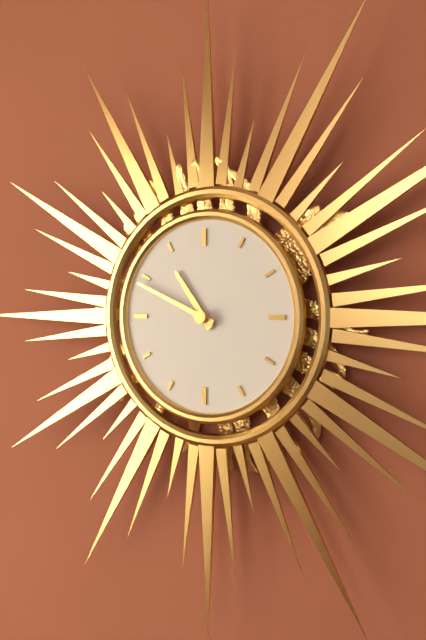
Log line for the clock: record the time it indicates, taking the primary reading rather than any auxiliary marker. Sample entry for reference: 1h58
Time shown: 10h49
